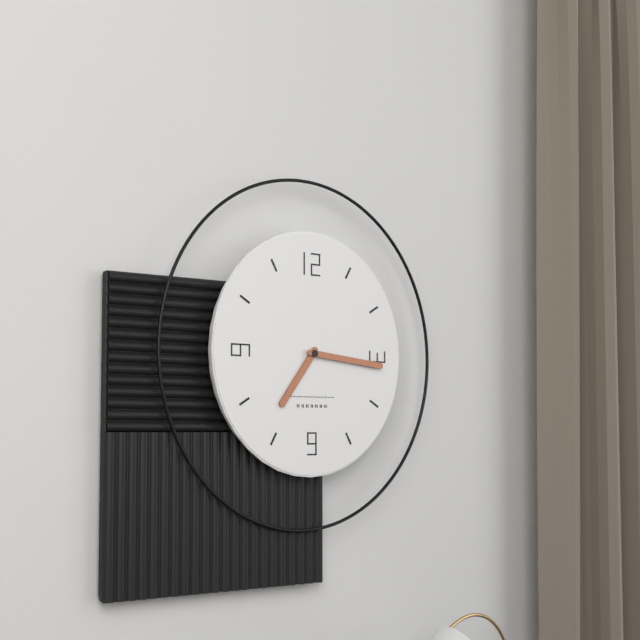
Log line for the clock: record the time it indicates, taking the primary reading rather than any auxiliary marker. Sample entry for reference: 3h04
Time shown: 7h16
